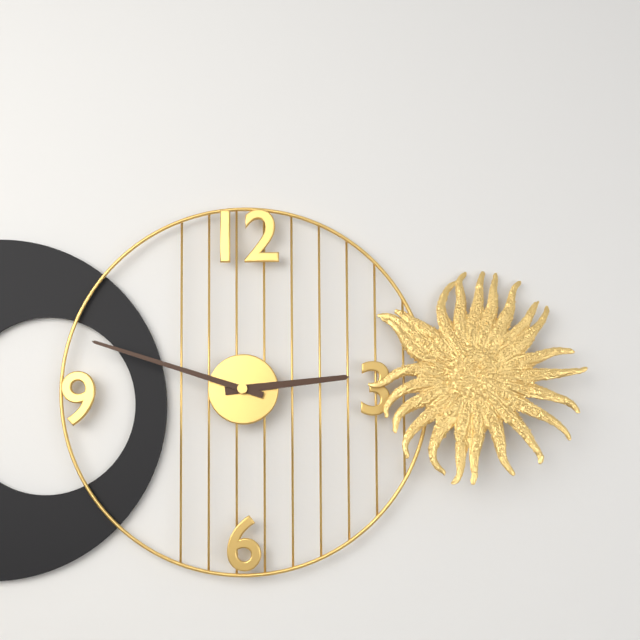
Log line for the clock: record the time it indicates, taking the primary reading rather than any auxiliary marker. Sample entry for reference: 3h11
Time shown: 2h48
